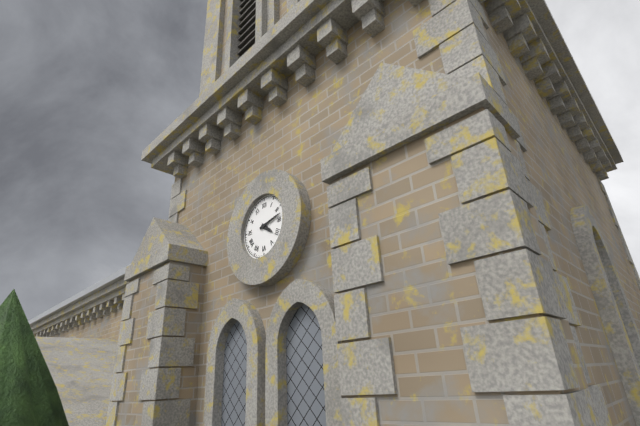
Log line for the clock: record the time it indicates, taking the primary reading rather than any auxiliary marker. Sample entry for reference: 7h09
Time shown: 4h13
